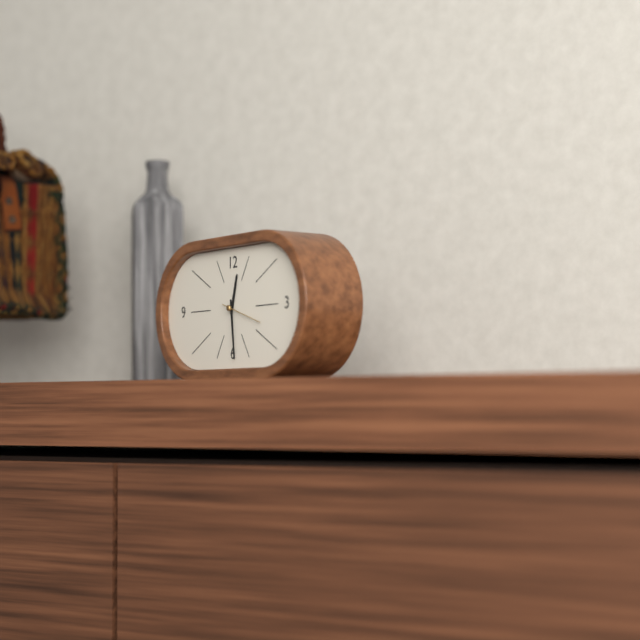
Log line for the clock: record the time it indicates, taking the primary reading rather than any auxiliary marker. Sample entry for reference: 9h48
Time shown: 12h29
